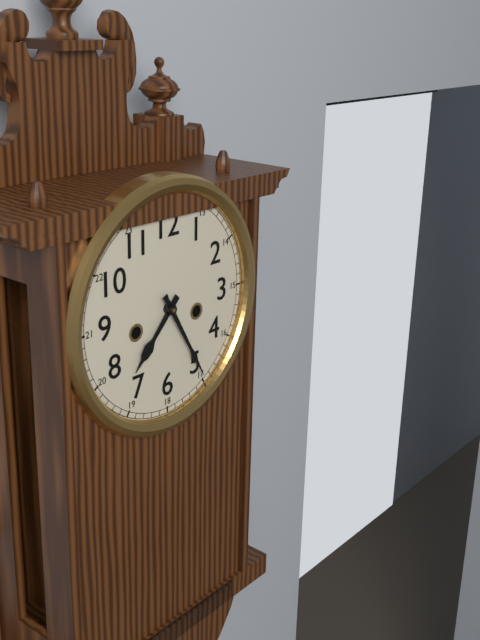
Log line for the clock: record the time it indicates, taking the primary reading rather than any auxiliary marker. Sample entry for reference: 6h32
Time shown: 7h25
